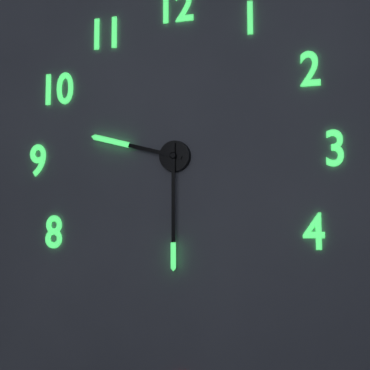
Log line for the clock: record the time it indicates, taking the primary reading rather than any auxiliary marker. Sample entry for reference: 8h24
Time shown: 9h30
